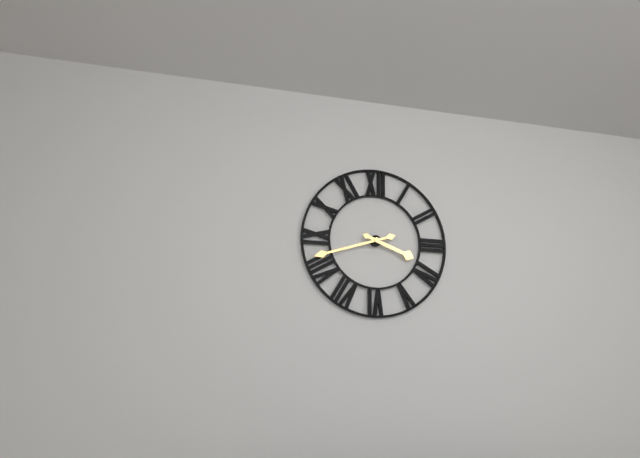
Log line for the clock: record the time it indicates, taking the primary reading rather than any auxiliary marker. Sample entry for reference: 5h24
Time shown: 3h42
